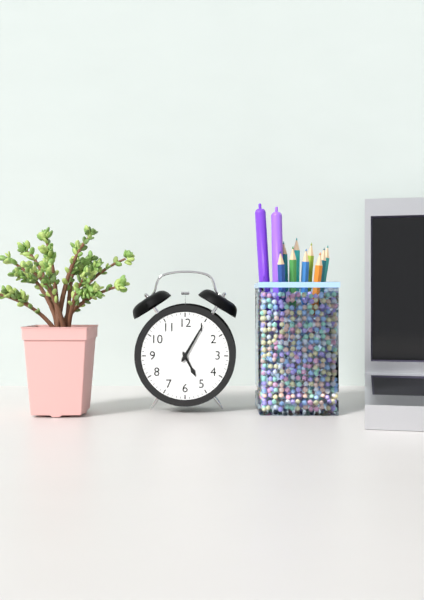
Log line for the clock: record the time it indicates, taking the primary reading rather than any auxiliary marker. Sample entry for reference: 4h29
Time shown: 5h05
